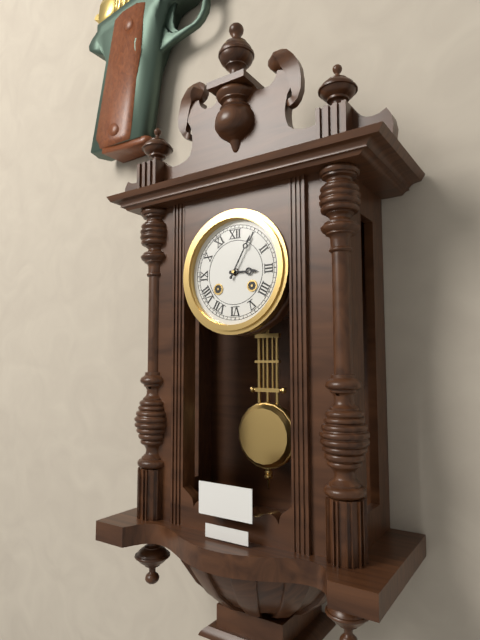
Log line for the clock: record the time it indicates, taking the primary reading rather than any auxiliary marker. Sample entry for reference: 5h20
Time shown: 3h05
